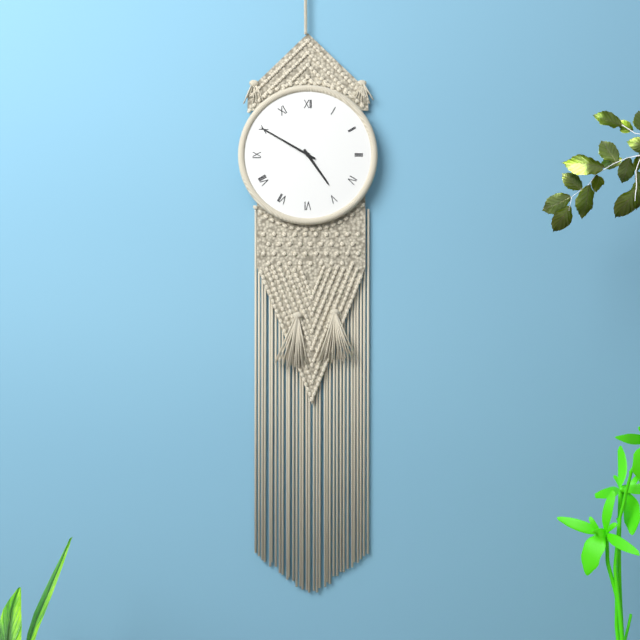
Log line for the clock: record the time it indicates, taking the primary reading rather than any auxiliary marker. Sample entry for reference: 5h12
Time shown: 4h50
